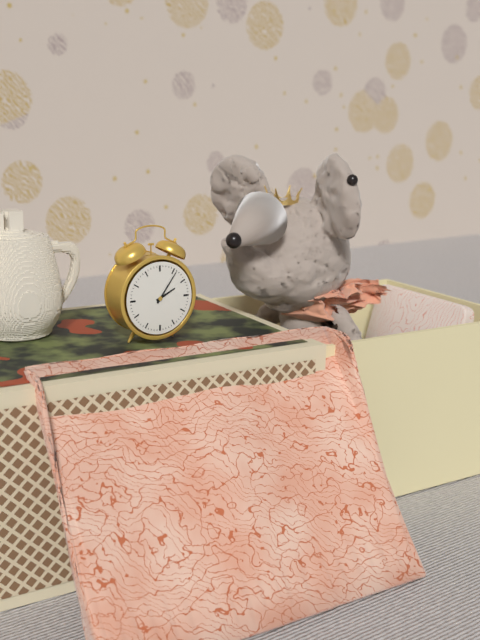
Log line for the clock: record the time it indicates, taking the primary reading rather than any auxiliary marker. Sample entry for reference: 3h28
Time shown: 2h06
